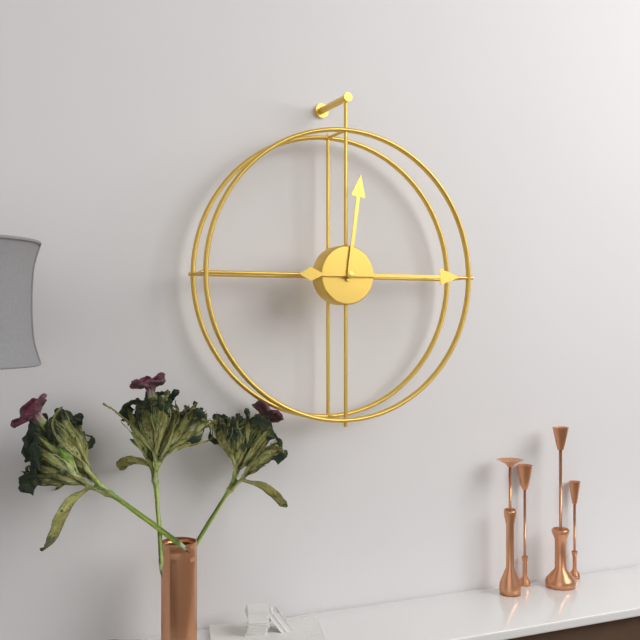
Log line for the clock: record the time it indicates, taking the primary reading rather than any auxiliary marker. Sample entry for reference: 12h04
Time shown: 12h15
